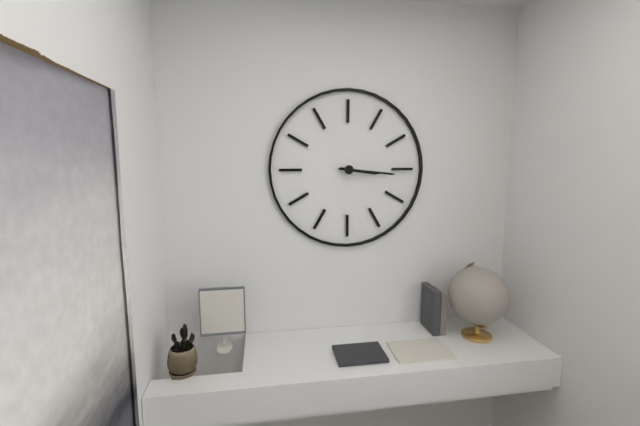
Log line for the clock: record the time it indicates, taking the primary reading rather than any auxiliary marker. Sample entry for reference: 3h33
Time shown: 3h16
